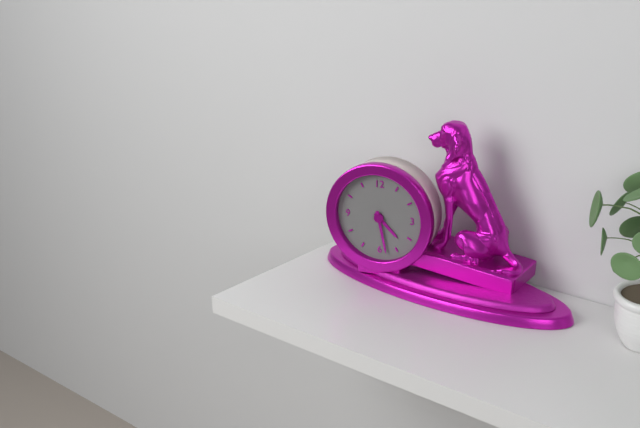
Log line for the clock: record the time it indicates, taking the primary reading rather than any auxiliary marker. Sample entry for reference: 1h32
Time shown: 4h28
